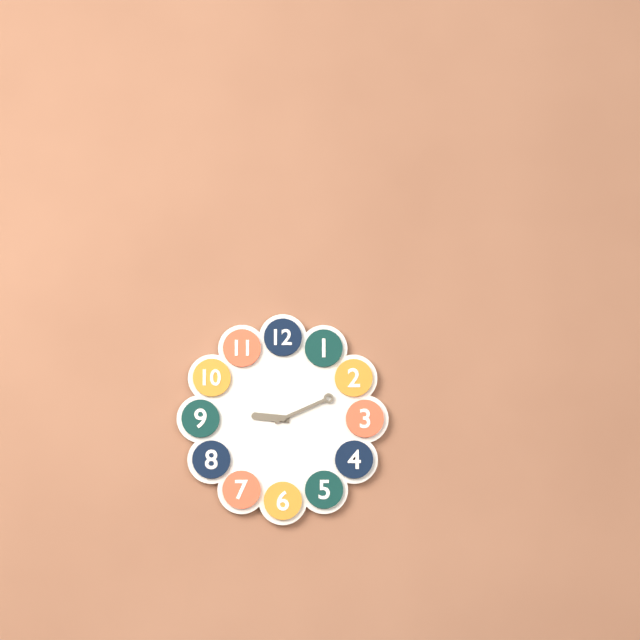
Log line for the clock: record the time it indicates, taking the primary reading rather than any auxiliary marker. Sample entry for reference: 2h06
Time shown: 9h11
